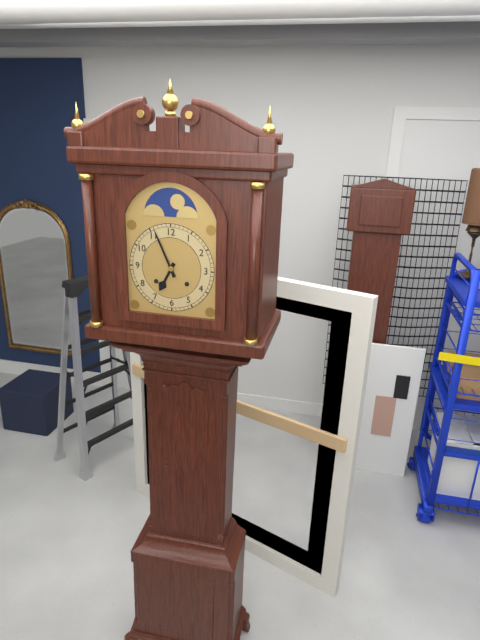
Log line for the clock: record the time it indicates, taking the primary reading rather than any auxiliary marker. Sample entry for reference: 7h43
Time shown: 6h56
